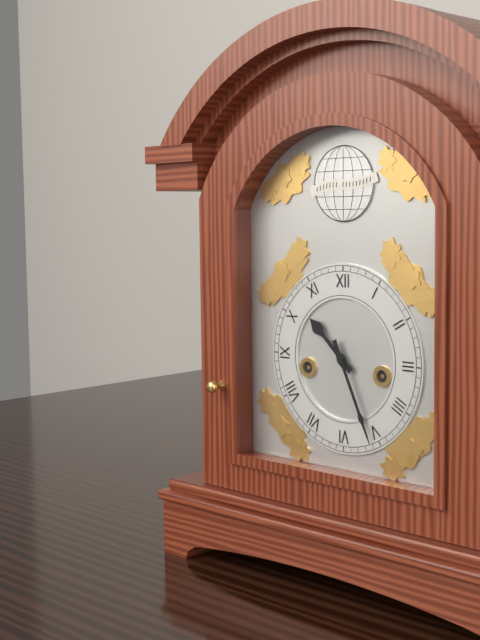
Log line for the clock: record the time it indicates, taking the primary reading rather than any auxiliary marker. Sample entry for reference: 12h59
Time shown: 10h26
